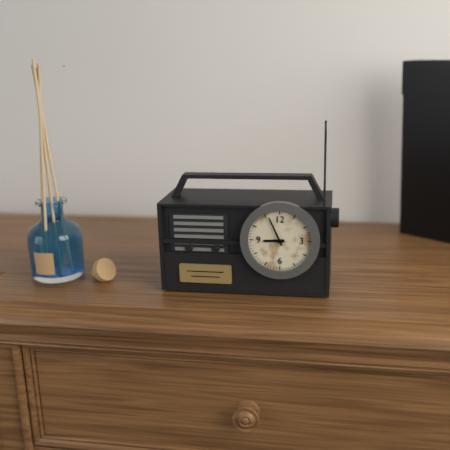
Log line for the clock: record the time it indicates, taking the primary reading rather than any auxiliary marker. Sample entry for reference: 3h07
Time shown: 8h56
